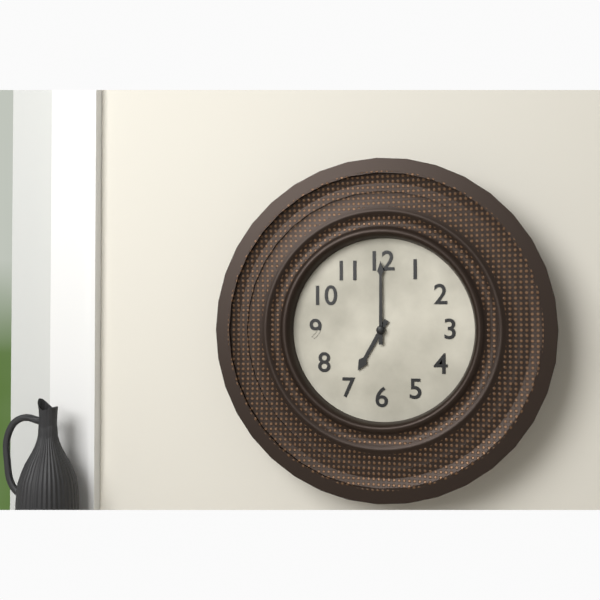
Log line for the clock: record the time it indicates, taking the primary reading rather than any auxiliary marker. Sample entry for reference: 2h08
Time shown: 7h00
